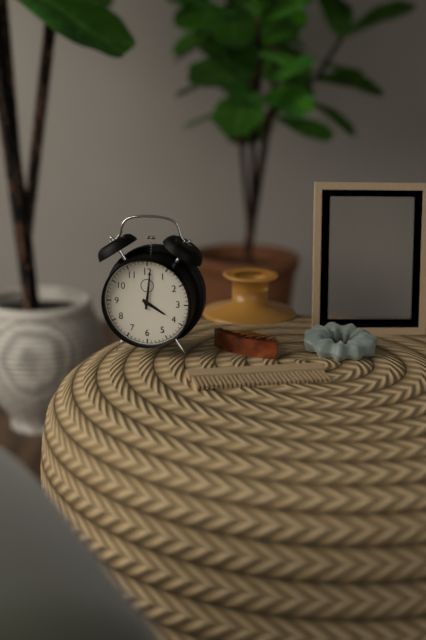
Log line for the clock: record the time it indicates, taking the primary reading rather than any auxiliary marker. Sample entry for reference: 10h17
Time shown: 4h01
